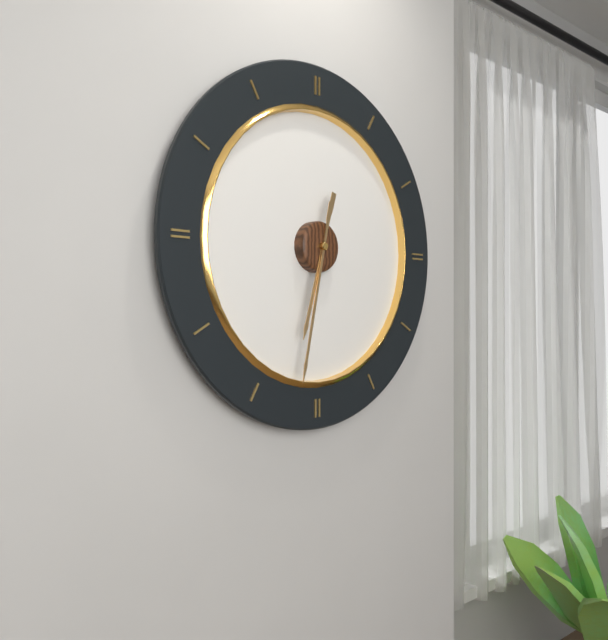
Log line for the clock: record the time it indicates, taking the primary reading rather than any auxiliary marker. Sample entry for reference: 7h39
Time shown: 6h32
